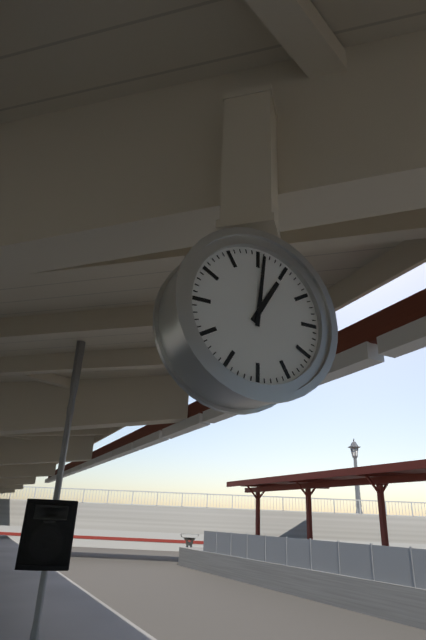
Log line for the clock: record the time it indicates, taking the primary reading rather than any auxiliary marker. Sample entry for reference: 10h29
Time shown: 1h01
